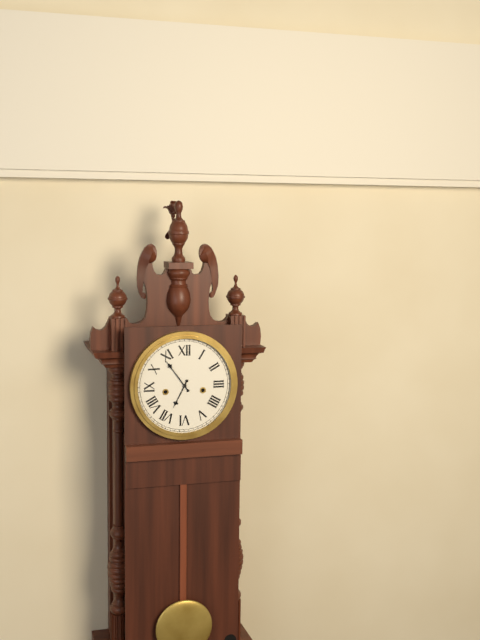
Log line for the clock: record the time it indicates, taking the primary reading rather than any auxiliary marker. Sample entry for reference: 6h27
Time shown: 6h54
